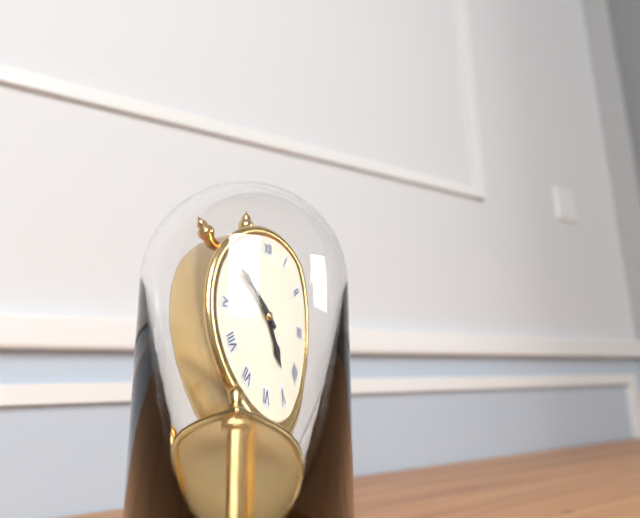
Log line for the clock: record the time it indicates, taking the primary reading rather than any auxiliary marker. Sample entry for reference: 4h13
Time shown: 4h51
